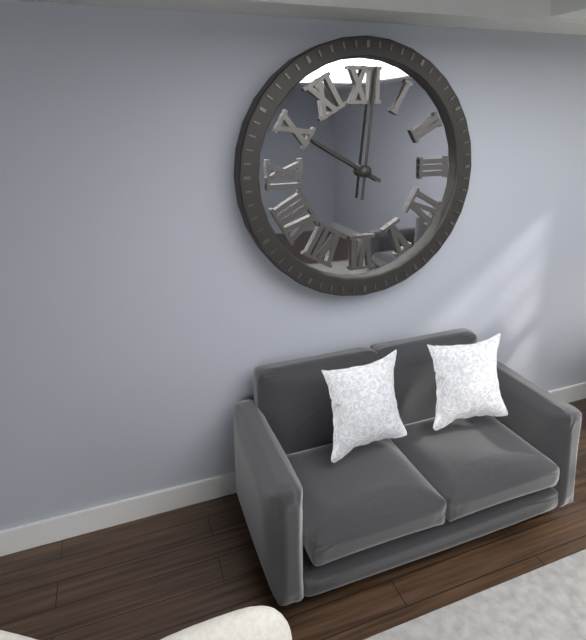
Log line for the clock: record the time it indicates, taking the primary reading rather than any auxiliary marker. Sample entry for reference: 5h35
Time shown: 10h01
